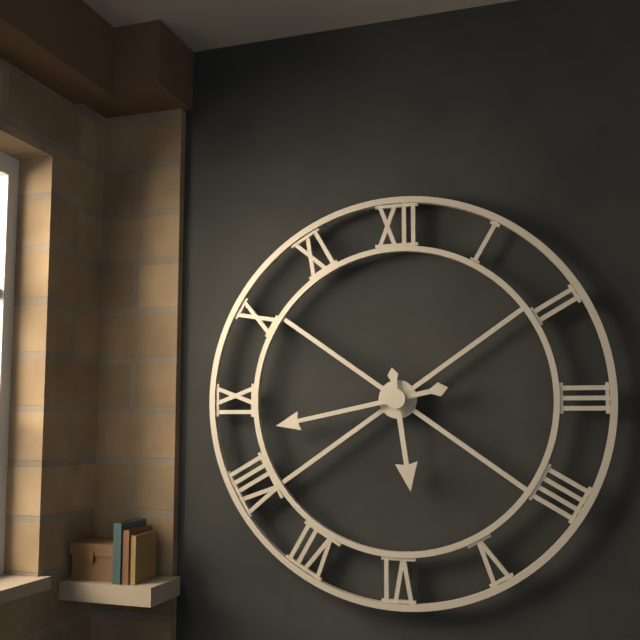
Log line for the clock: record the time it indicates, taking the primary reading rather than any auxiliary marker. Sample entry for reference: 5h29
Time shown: 5h43
